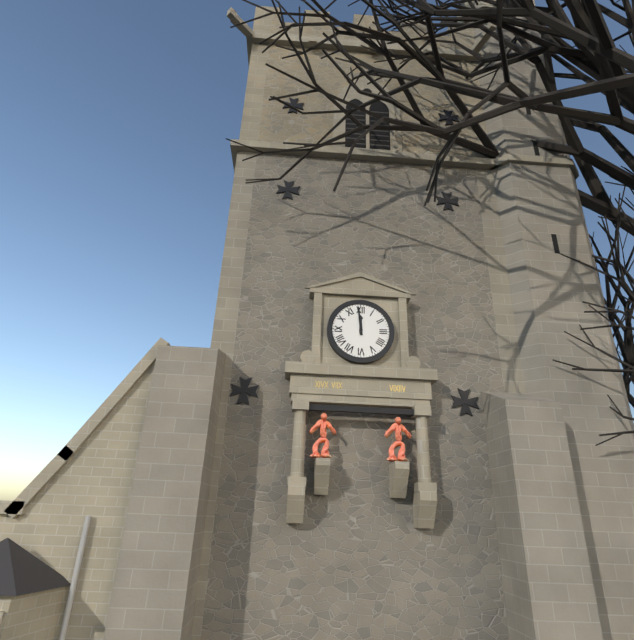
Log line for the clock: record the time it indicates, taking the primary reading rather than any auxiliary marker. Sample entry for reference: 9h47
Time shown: 11h59
